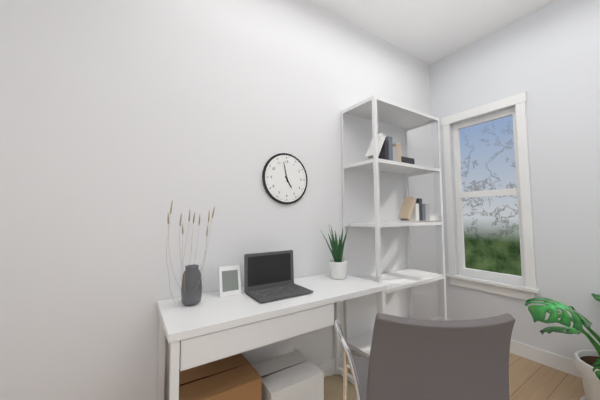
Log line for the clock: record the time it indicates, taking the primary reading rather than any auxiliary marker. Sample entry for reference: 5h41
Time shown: 4h58
